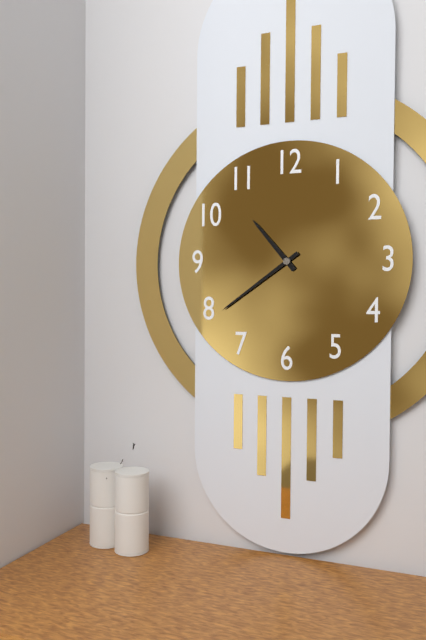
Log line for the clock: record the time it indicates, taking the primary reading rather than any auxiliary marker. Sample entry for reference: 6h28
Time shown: 10h39
